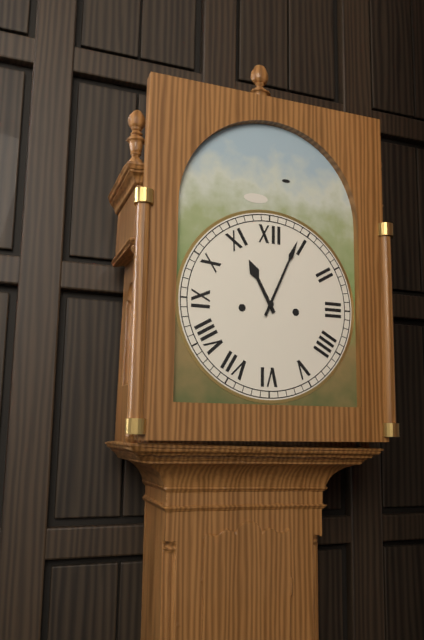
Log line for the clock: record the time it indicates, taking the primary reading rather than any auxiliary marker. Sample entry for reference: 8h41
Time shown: 11h04
